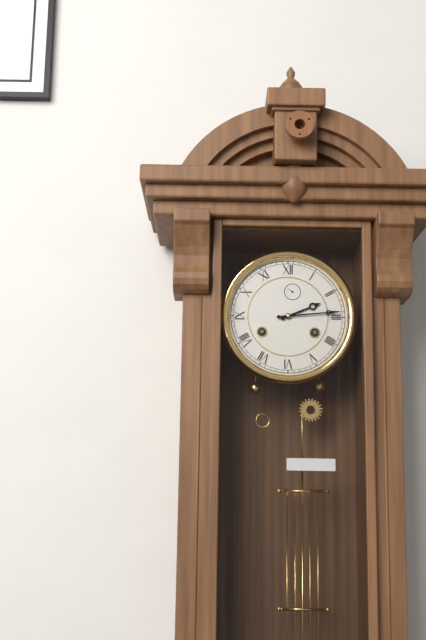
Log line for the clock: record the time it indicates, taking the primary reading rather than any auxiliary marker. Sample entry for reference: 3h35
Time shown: 2h14
